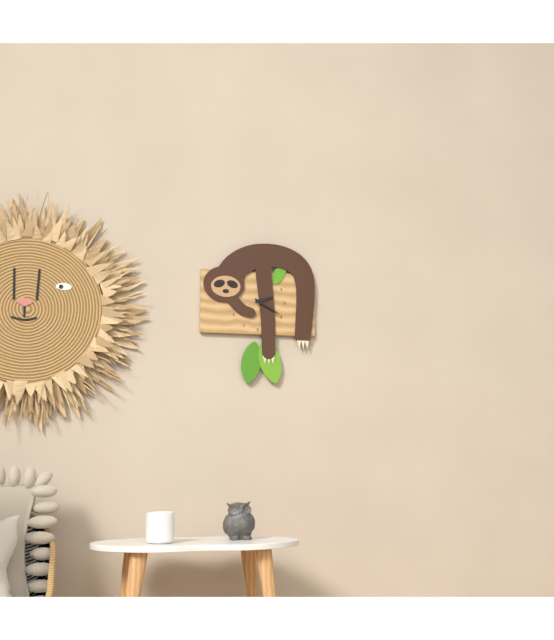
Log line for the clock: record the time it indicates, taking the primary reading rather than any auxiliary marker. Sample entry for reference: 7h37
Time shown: 2h20
